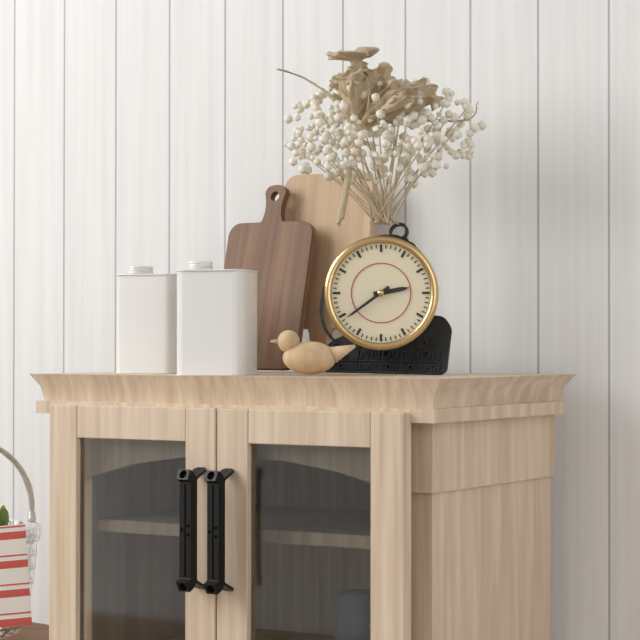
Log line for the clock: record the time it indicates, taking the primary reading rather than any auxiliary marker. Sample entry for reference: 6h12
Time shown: 2h39
